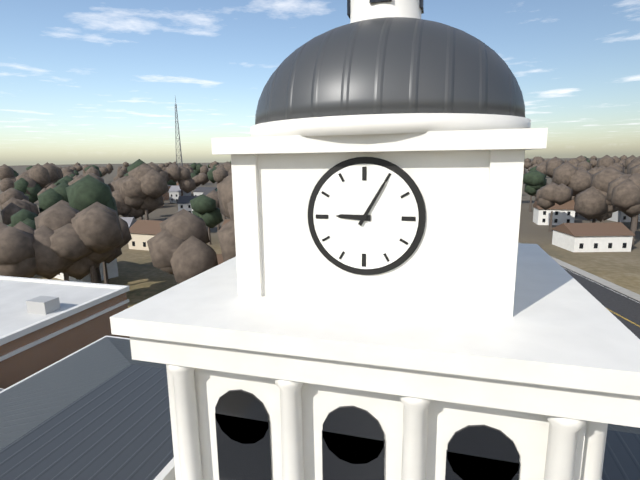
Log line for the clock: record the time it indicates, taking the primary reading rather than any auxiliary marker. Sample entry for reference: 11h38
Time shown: 9h05
